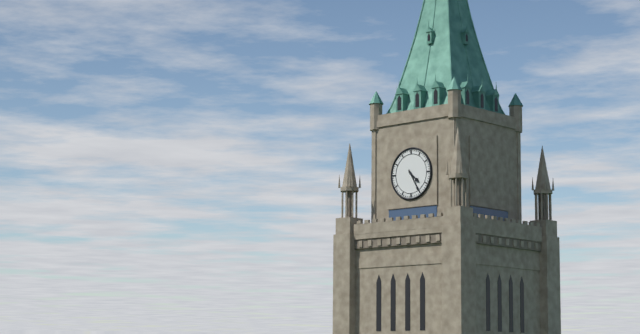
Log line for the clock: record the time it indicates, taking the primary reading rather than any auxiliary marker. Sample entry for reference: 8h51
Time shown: 4h25
